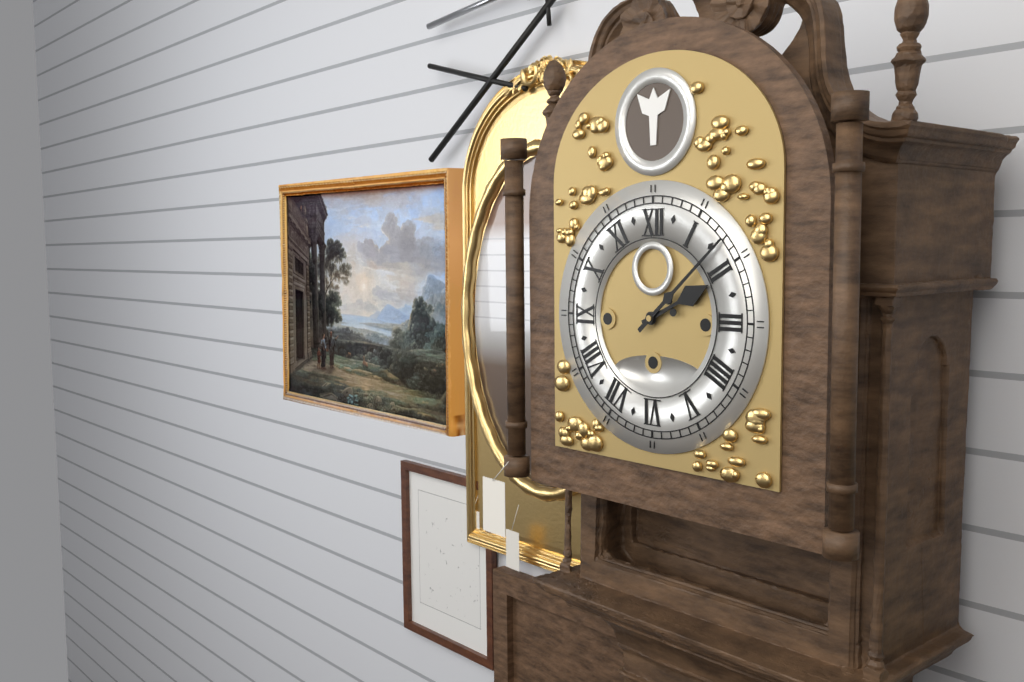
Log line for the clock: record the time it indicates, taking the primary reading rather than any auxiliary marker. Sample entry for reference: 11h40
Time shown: 2h08
